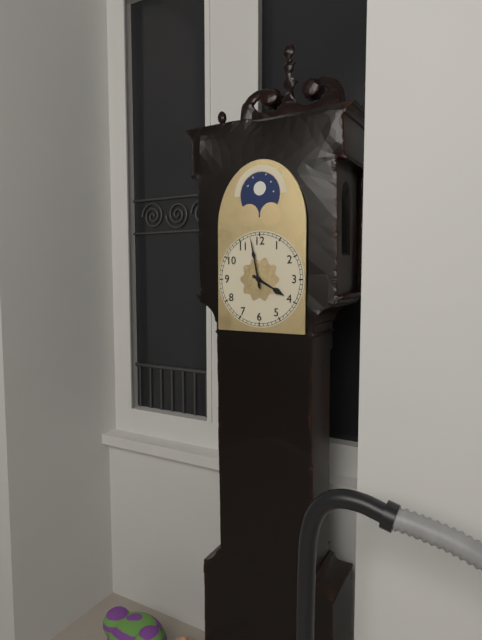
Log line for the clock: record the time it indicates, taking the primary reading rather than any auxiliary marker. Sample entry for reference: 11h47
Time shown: 3h58
